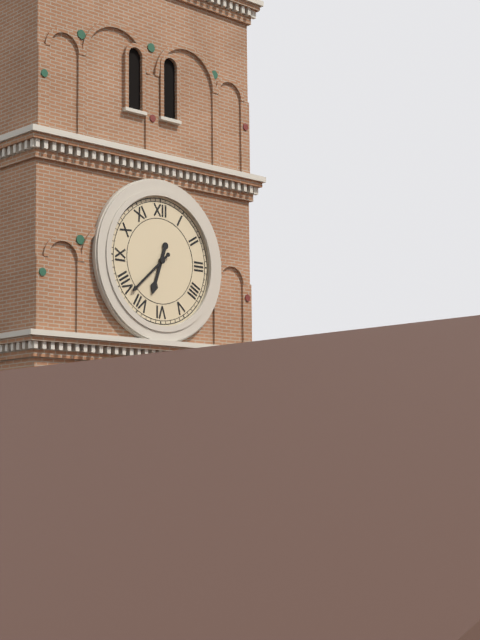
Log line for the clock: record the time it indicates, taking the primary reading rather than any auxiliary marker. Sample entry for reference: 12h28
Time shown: 6h38
